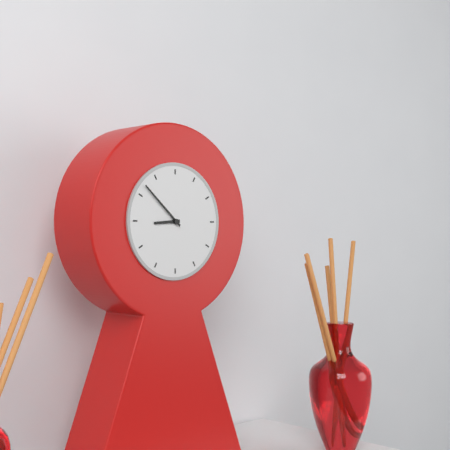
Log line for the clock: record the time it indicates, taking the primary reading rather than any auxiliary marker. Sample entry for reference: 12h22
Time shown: 8h52
